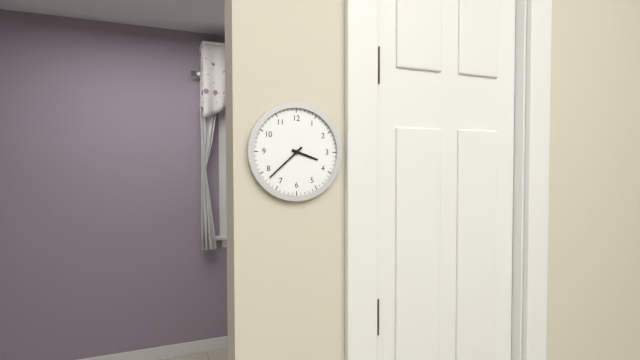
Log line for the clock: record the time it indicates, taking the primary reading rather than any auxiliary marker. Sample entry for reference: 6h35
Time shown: 3h38
